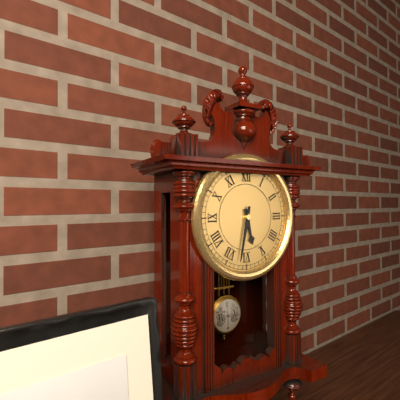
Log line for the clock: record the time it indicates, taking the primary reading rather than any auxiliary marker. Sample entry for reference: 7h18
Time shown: 5h32
